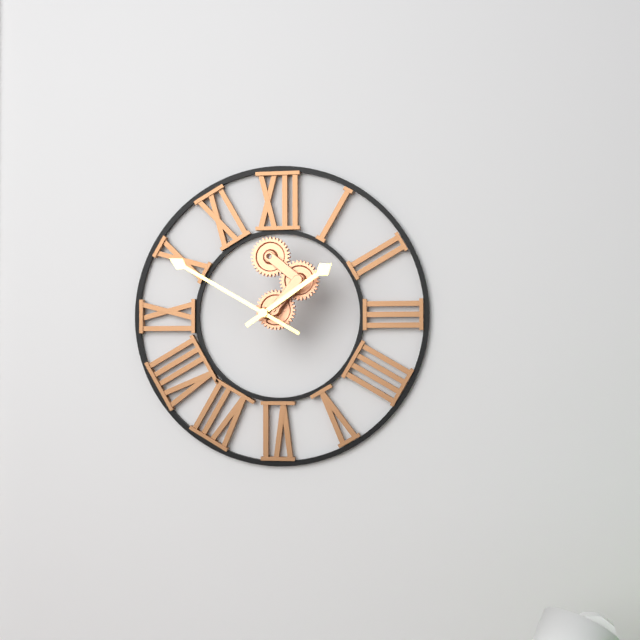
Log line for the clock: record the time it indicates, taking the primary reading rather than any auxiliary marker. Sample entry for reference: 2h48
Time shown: 1h50
